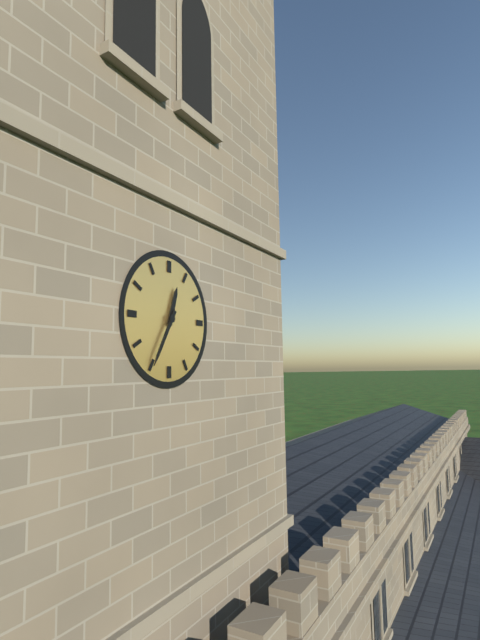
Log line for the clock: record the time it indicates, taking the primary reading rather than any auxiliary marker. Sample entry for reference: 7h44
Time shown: 12h35
